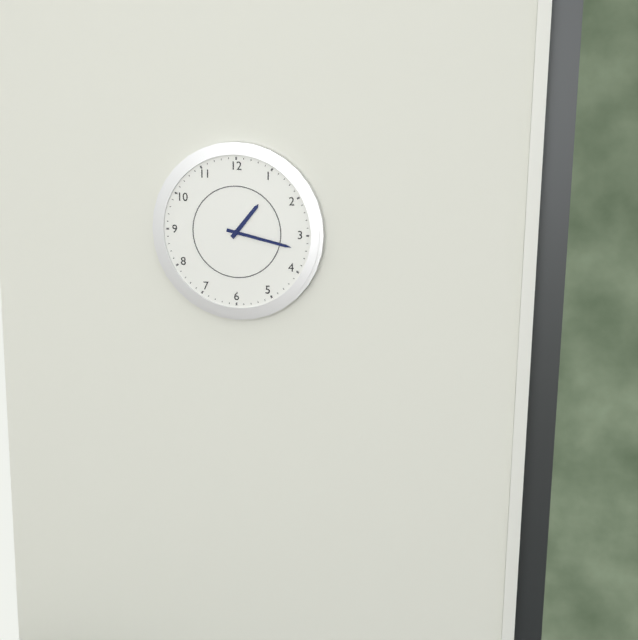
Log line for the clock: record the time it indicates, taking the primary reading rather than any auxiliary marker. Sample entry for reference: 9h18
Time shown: 1h17
